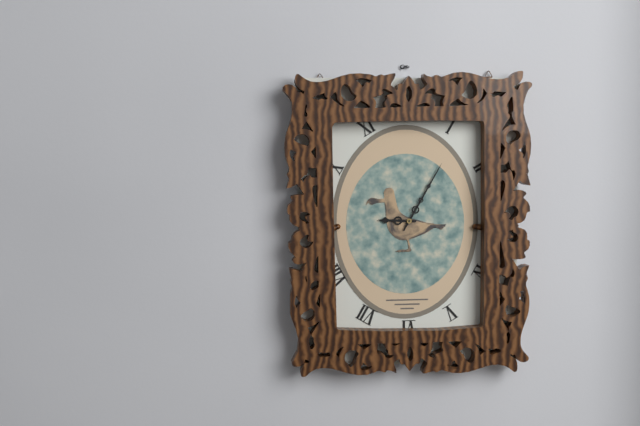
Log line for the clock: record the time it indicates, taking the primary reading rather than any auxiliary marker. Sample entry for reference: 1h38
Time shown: 9h05
